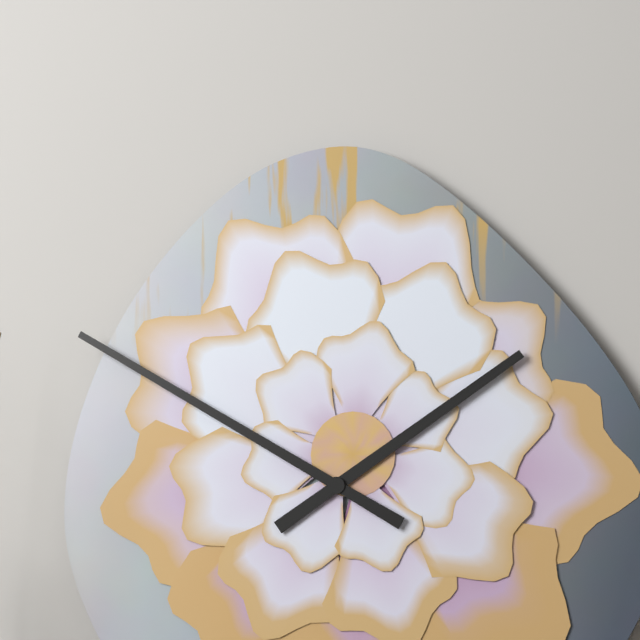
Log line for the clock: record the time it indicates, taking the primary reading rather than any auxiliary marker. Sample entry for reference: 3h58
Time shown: 1h50
